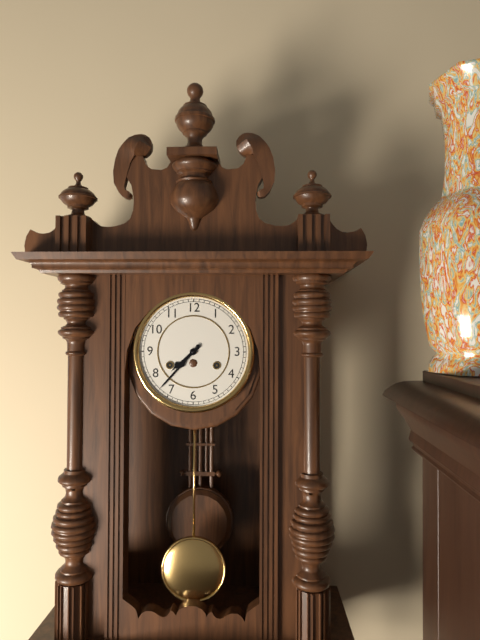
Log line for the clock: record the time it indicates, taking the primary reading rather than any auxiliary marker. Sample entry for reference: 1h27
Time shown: 7h37
